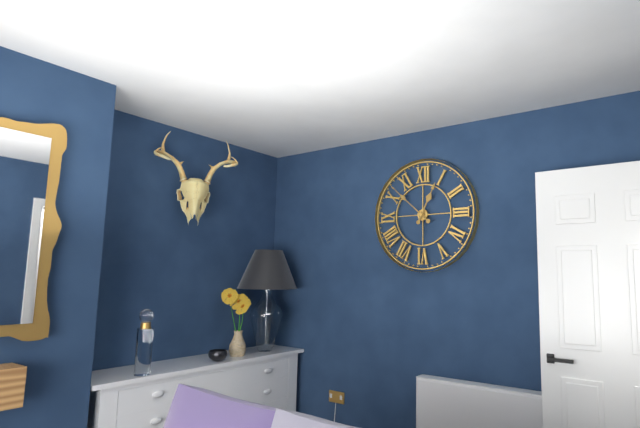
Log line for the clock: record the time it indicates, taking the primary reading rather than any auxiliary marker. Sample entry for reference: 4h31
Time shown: 12h52
